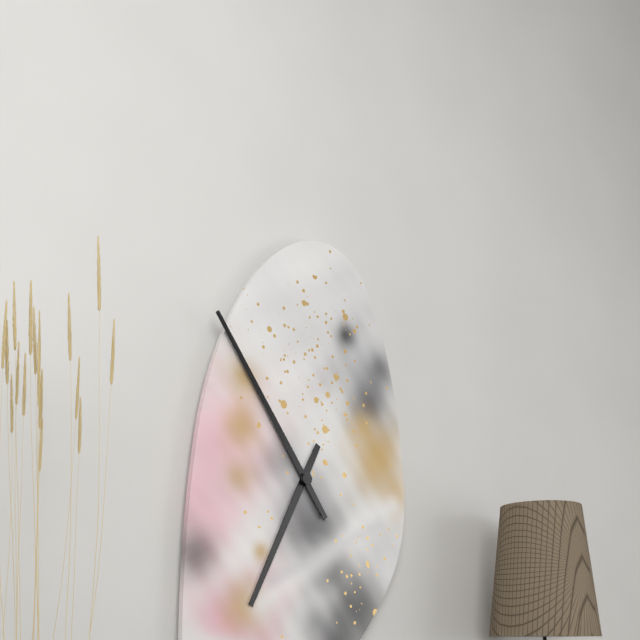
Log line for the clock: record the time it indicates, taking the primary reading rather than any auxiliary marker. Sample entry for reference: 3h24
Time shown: 6h54
